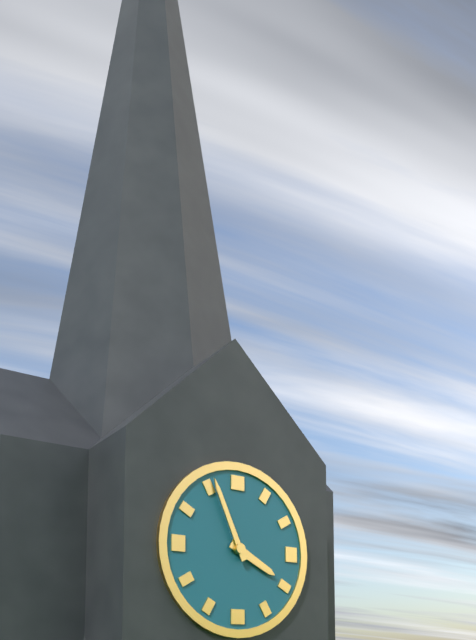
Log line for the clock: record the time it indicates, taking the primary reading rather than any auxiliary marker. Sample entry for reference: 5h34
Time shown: 3h56
